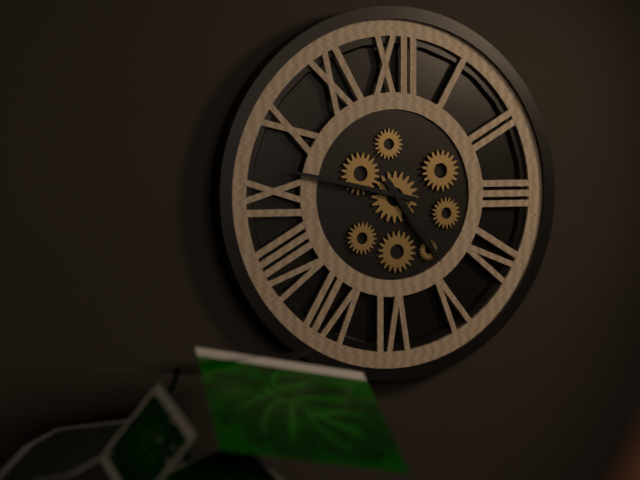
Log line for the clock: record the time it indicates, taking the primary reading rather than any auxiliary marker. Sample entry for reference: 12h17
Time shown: 4h47
